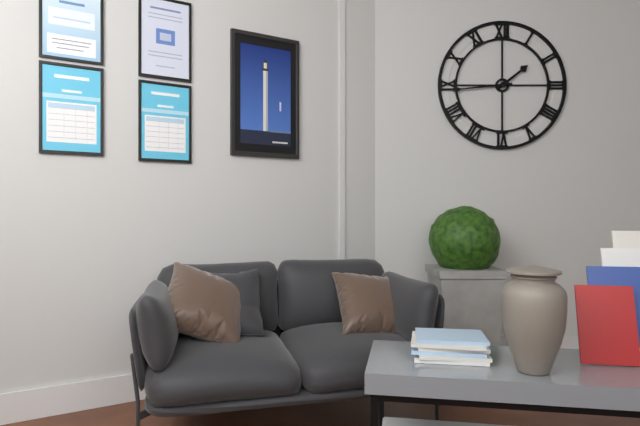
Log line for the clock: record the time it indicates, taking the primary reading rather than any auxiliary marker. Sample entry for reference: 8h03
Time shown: 1h44
